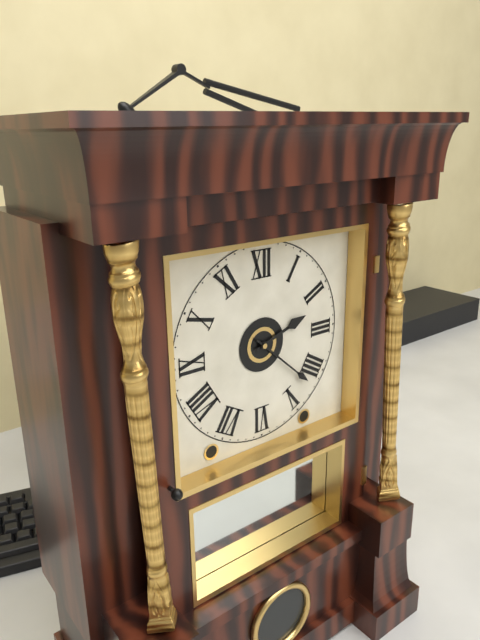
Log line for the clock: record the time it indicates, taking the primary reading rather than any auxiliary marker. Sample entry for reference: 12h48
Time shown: 2h22
